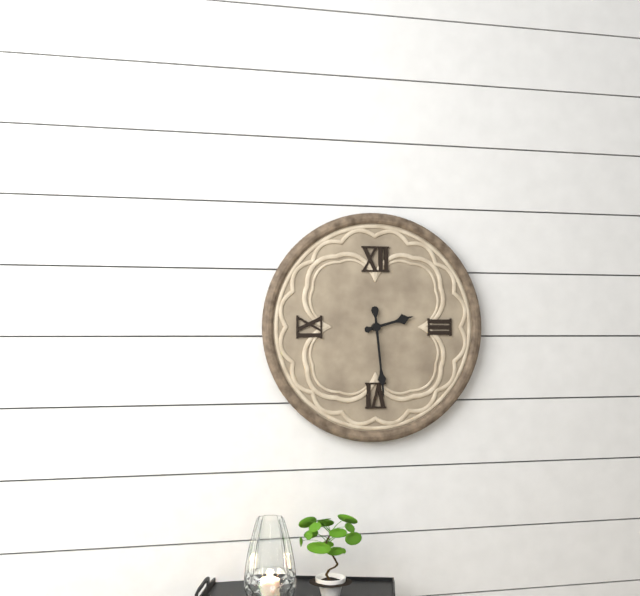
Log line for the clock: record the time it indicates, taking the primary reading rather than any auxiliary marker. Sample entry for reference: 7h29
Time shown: 2h29
